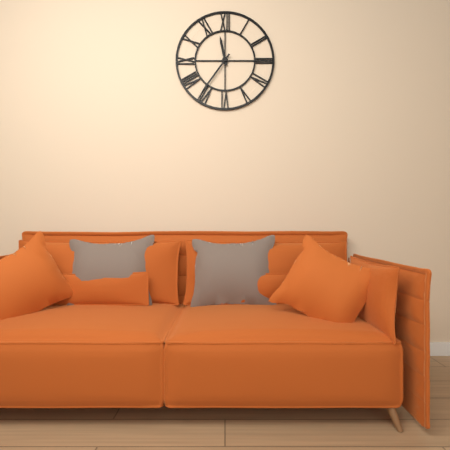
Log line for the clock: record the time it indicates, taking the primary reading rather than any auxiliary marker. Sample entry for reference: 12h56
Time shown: 11h36
